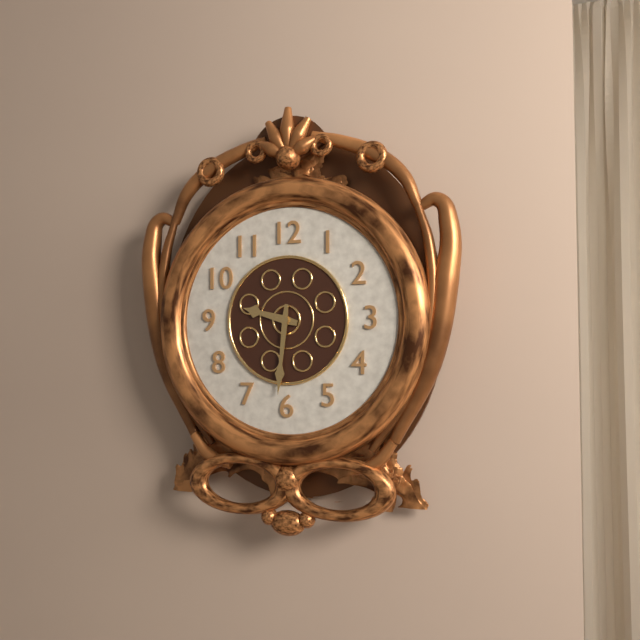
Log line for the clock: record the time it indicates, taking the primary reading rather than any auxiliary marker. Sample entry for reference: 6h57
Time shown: 9h31
